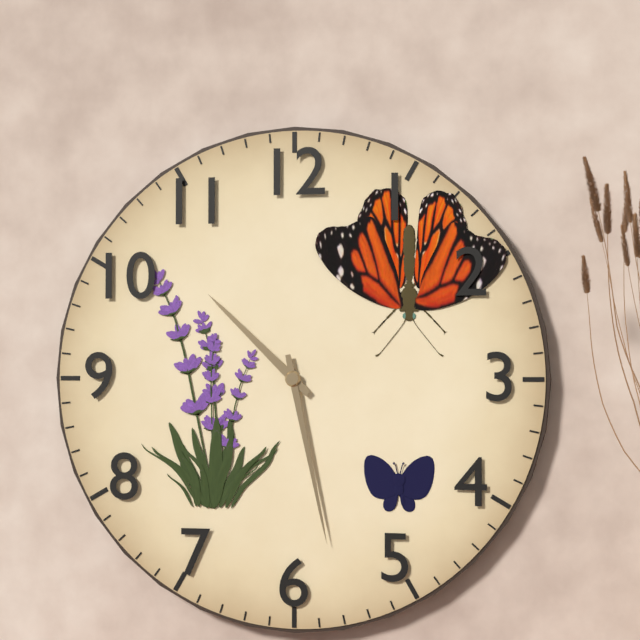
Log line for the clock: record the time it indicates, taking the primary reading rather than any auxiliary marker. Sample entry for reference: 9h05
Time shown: 10h28
